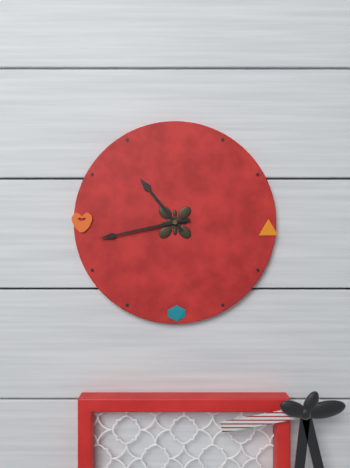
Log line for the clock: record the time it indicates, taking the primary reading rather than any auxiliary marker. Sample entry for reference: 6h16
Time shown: 10h43
